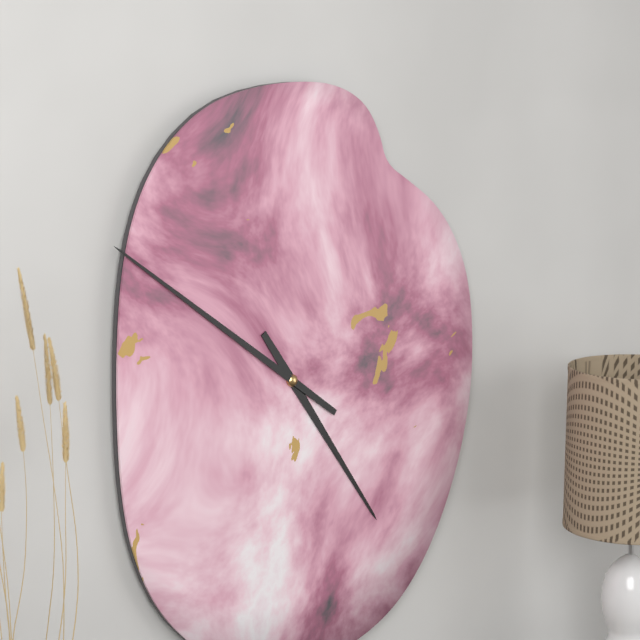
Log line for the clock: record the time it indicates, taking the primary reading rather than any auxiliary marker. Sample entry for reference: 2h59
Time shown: 4h51
